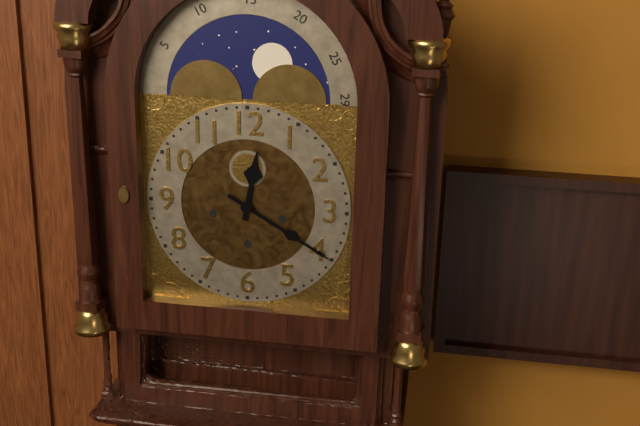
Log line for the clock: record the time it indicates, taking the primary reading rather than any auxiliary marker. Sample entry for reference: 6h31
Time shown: 12h20
